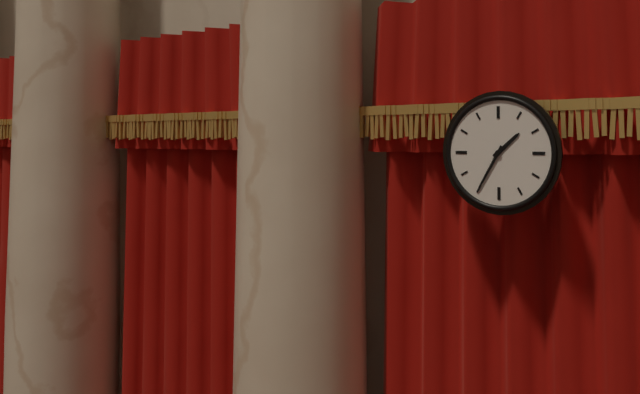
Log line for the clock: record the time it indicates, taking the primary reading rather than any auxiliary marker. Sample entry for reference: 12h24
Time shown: 1h35
